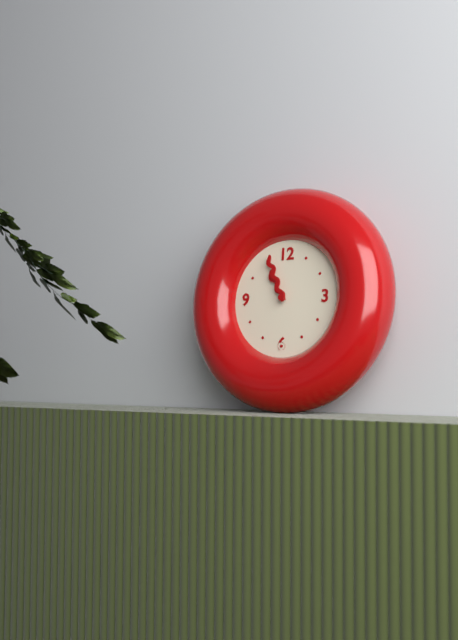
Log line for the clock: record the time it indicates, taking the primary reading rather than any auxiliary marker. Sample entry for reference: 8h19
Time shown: 10h56
